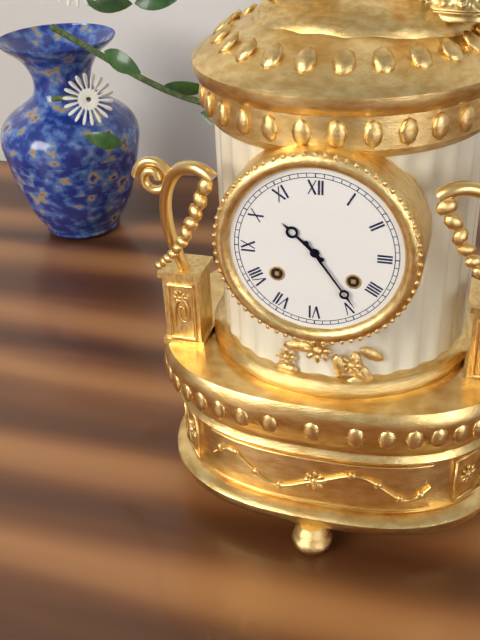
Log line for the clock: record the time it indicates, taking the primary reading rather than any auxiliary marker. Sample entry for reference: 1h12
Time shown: 10h24
